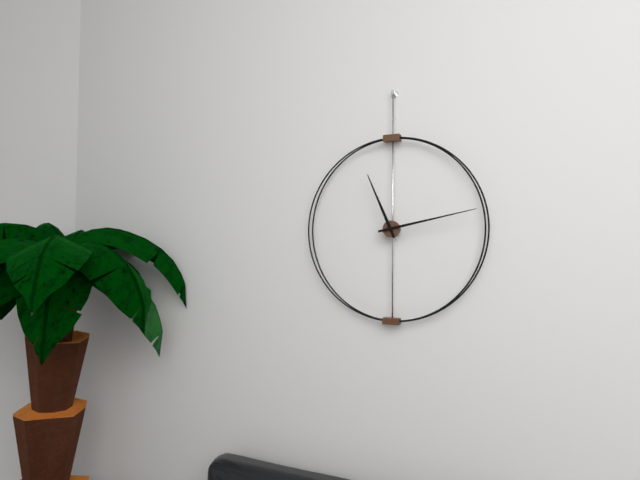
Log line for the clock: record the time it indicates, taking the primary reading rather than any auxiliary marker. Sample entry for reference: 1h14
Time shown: 11h13
